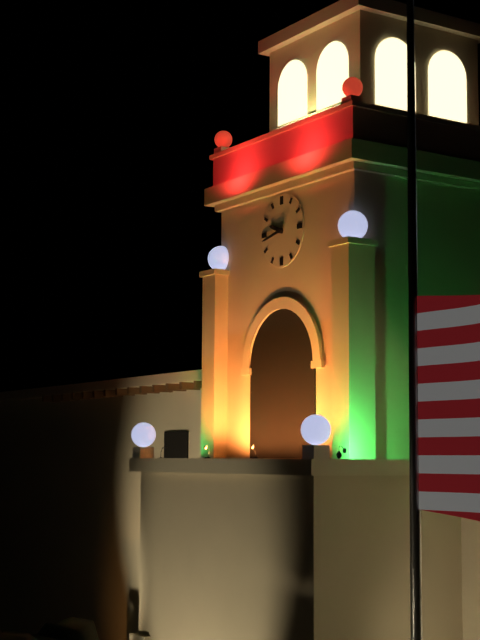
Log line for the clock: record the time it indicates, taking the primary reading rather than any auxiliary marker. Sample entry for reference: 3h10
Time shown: 9h43
